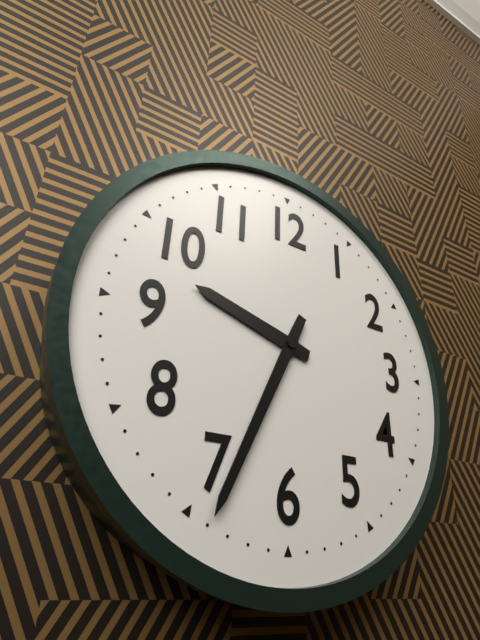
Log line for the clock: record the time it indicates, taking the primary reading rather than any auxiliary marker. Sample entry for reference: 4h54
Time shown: 9h34
